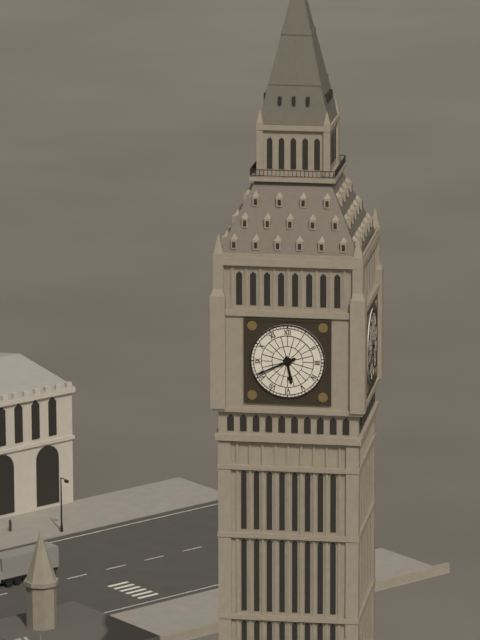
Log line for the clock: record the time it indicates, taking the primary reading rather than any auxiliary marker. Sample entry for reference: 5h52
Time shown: 5h41
